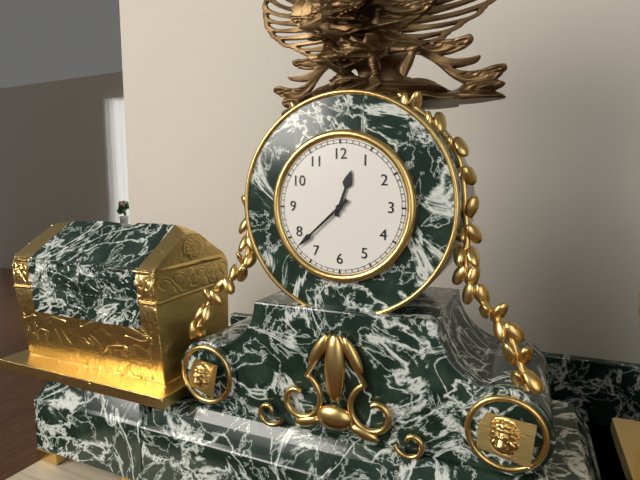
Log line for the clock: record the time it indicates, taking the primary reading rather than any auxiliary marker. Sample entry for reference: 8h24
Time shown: 12h38
